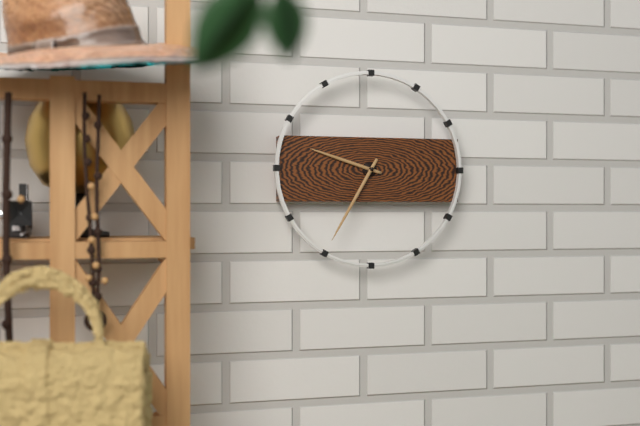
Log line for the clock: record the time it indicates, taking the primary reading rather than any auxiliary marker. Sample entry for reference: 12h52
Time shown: 9h35
